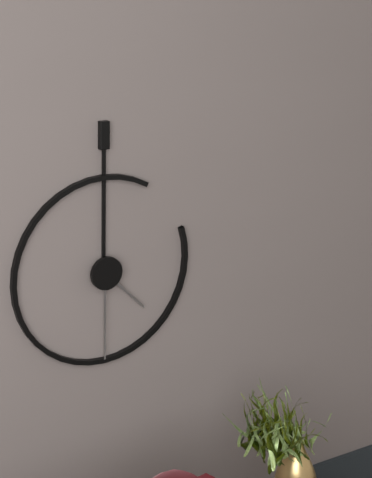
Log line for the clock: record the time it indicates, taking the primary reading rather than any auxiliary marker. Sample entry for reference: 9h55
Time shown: 4h30
